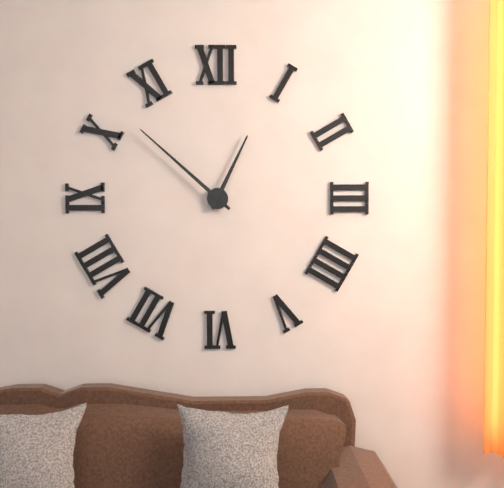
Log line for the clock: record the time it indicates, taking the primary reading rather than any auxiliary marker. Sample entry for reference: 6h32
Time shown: 12h52
